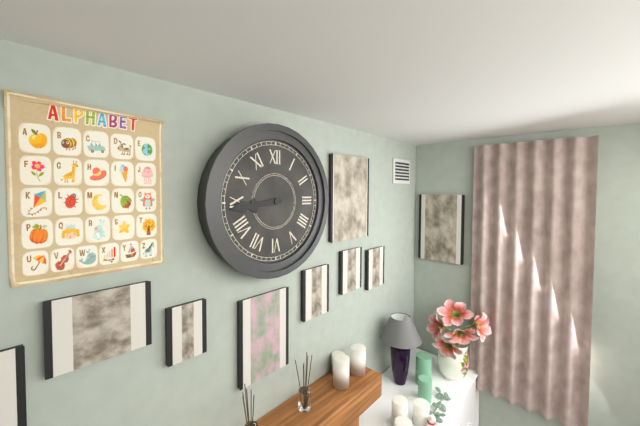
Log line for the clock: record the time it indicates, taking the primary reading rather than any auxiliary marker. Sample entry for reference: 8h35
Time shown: 8h44
